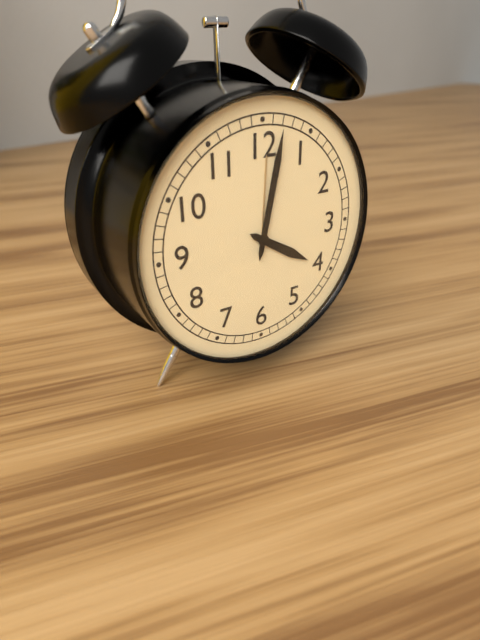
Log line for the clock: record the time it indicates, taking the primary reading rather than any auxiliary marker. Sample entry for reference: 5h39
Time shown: 4h02
